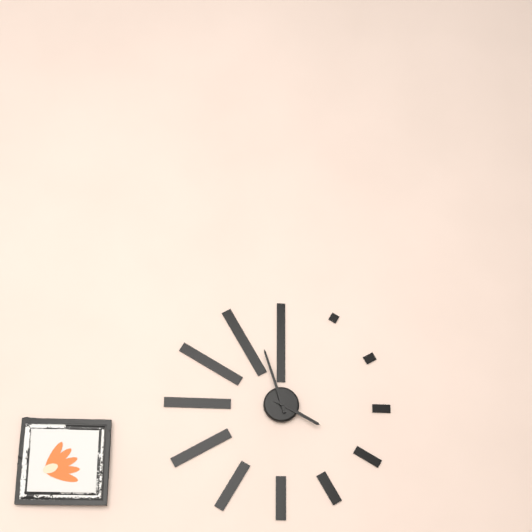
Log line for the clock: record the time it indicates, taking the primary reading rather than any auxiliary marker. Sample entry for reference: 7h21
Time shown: 3h57
